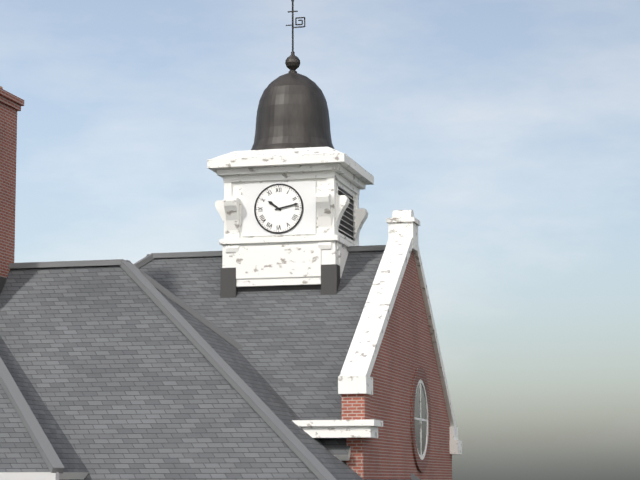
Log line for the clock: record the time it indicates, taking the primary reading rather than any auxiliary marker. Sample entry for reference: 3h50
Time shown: 10h13
